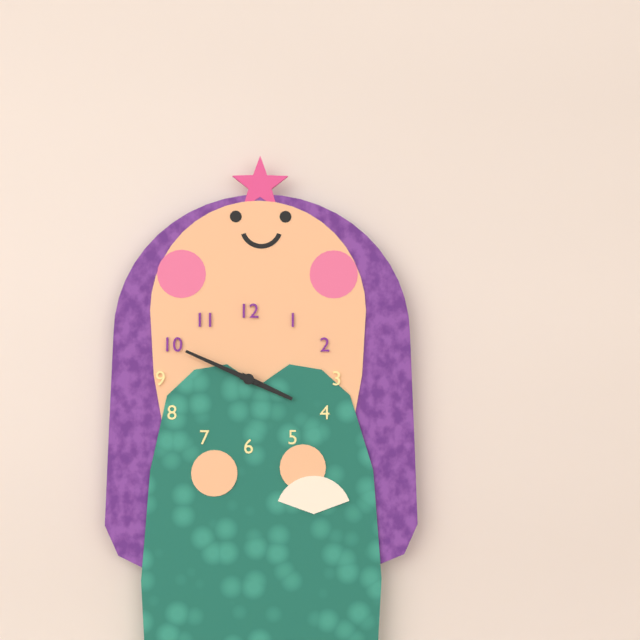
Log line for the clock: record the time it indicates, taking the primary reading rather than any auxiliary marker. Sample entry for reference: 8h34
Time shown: 3h49
